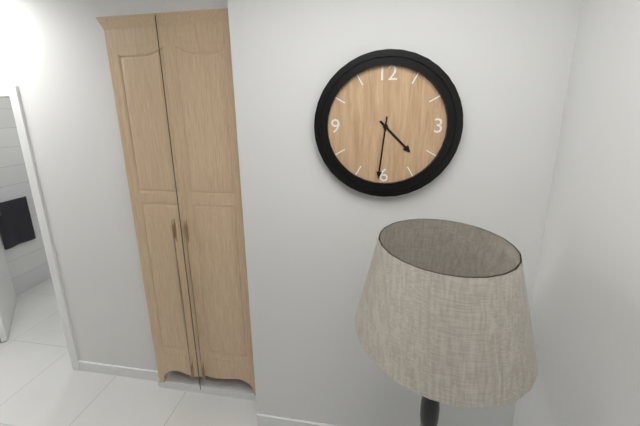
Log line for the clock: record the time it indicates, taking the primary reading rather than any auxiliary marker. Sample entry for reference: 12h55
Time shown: 4h31
